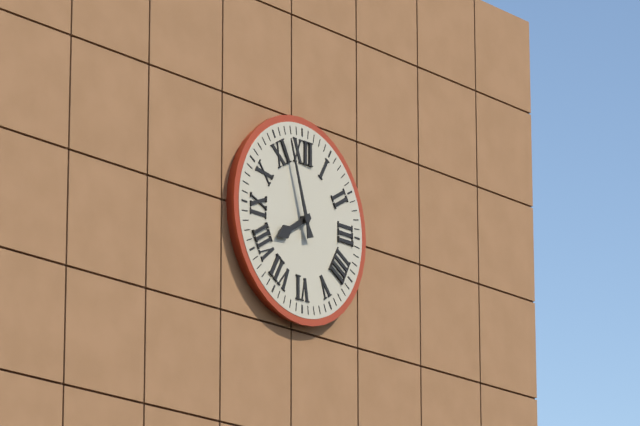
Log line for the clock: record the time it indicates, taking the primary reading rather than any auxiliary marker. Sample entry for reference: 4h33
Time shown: 7h57
